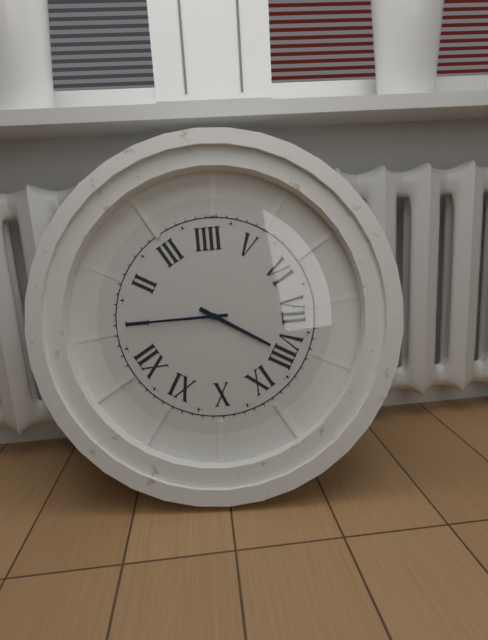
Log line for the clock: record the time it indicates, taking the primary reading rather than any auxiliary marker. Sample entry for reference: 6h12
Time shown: 8h05
